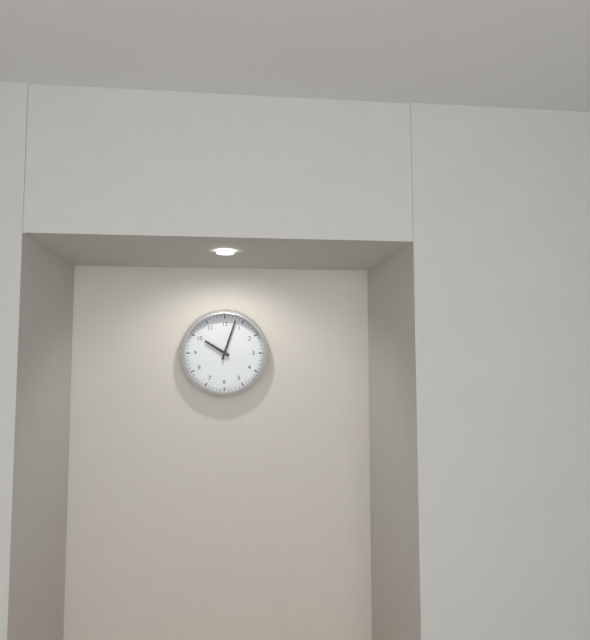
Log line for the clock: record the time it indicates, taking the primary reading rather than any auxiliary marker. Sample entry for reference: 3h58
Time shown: 10h03
